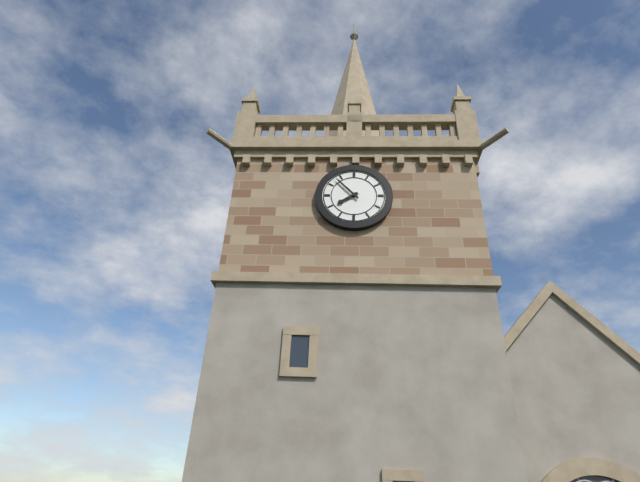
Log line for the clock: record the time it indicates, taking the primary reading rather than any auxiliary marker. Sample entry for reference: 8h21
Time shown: 7h53
